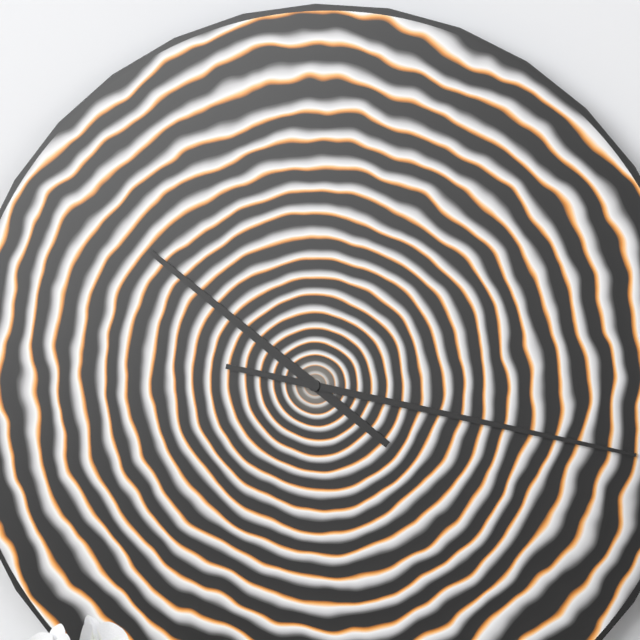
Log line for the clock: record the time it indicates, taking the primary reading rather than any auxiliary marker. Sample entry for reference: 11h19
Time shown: 10h17
